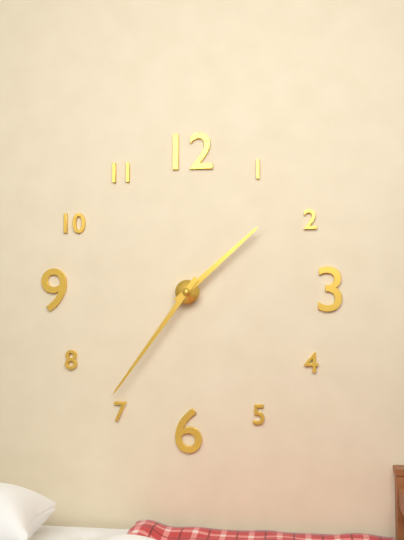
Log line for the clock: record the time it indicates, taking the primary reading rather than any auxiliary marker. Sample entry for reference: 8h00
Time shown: 1h36
